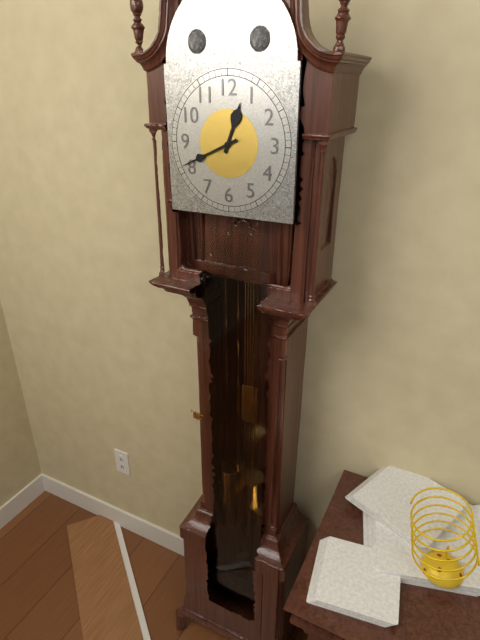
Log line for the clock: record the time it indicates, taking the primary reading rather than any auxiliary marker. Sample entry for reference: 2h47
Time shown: 12h41
